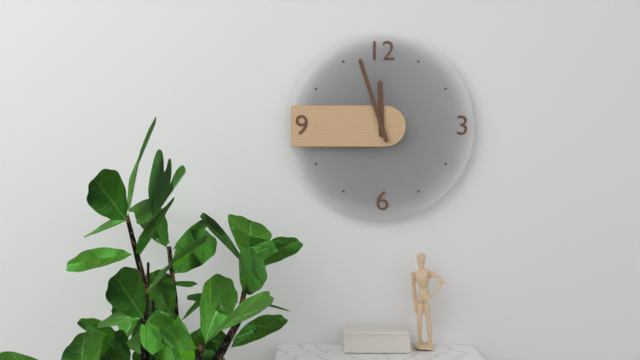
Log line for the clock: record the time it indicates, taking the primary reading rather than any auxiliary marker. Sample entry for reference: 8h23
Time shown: 11h57
